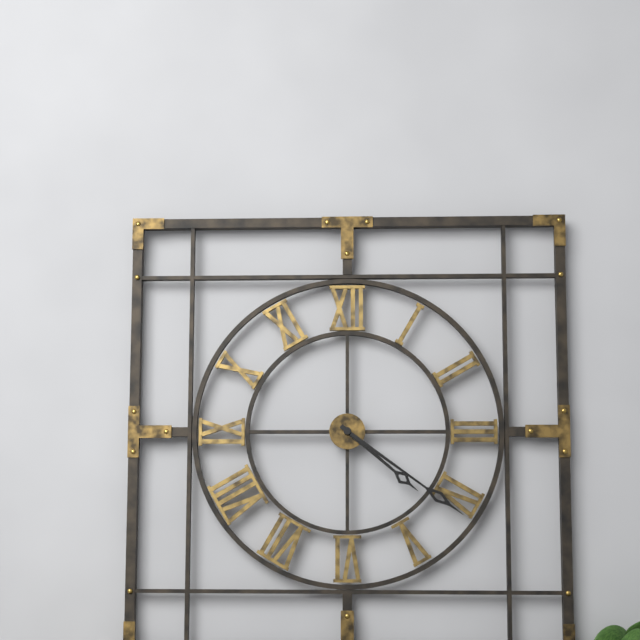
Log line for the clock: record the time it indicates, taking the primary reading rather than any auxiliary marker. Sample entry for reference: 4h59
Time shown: 4h21
